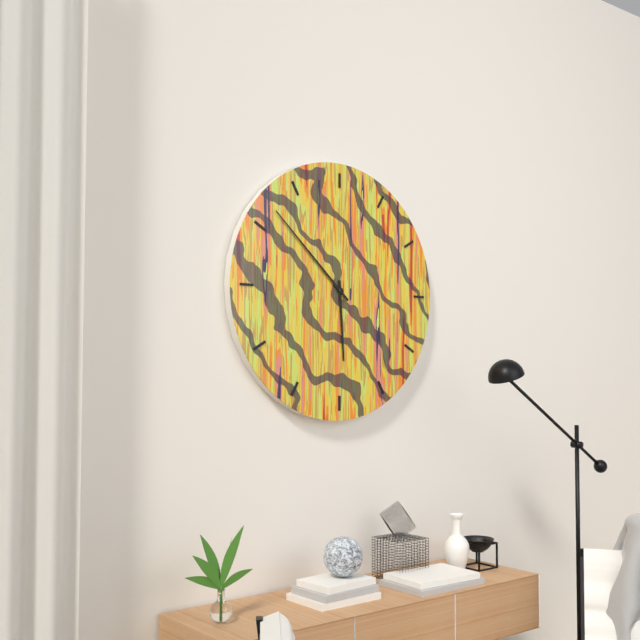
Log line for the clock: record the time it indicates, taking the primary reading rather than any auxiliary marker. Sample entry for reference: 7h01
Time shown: 5h52
